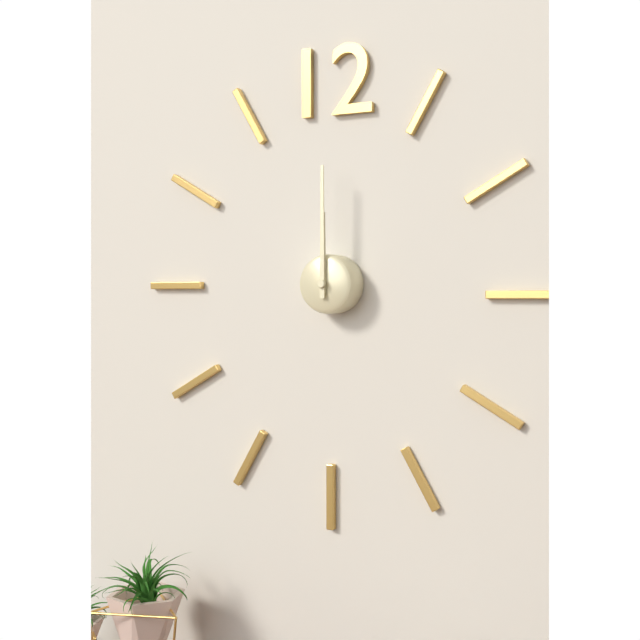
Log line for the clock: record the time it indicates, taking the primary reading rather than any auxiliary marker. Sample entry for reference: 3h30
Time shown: 12h00
